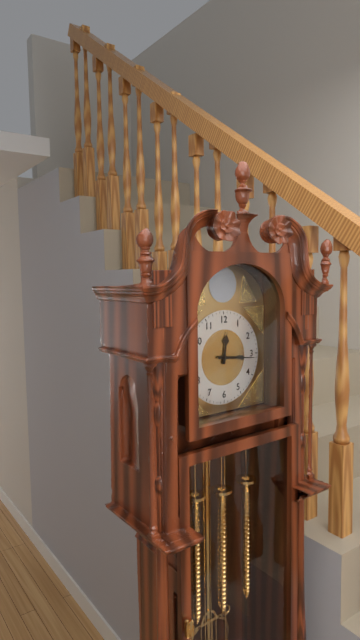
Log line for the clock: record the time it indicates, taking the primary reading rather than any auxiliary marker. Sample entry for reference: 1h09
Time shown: 12h16
